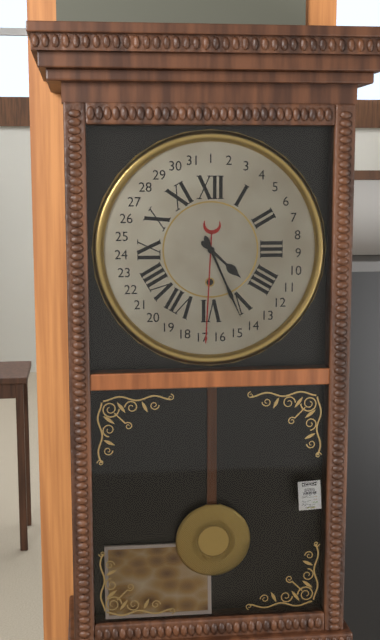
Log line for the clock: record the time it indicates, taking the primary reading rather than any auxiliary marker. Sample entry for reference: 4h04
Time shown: 4h26
